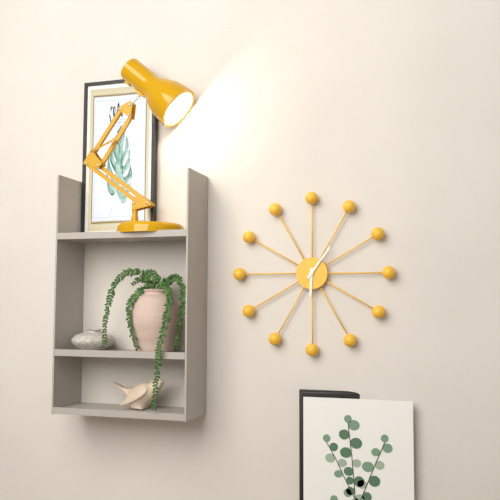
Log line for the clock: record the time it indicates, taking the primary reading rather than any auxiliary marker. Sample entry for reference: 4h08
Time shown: 6h06
